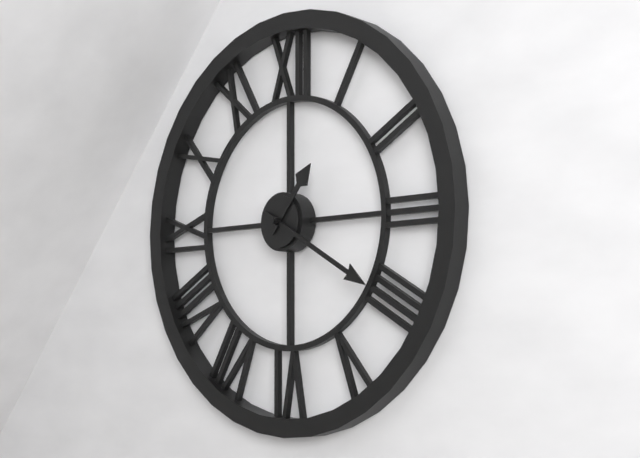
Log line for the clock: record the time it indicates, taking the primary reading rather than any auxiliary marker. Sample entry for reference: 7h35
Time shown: 1h20
